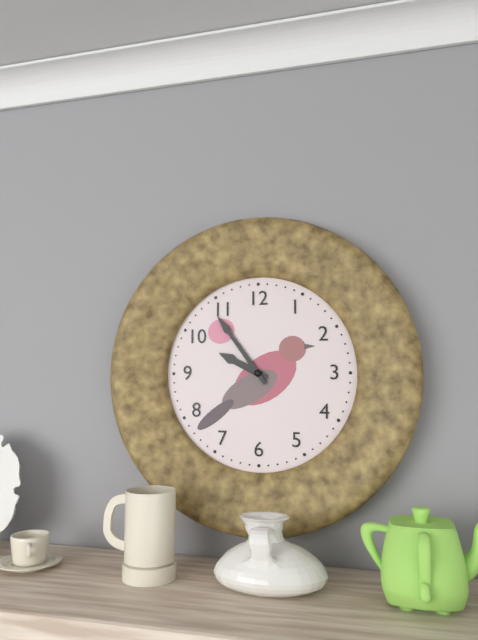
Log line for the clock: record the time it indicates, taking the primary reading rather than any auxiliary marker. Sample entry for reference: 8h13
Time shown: 9h54
